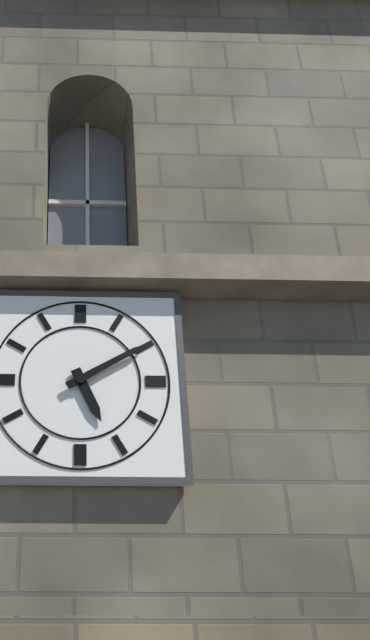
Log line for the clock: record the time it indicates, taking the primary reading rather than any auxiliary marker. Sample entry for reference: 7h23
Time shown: 5h10
